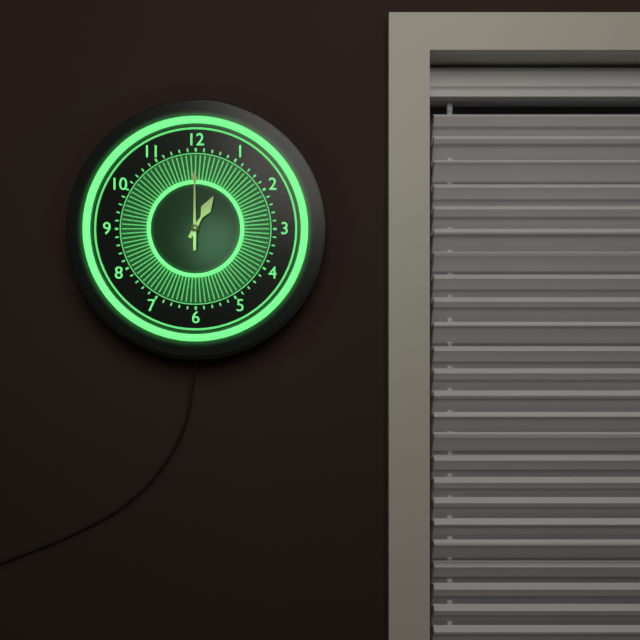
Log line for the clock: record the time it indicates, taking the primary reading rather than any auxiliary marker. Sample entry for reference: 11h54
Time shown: 1h00
